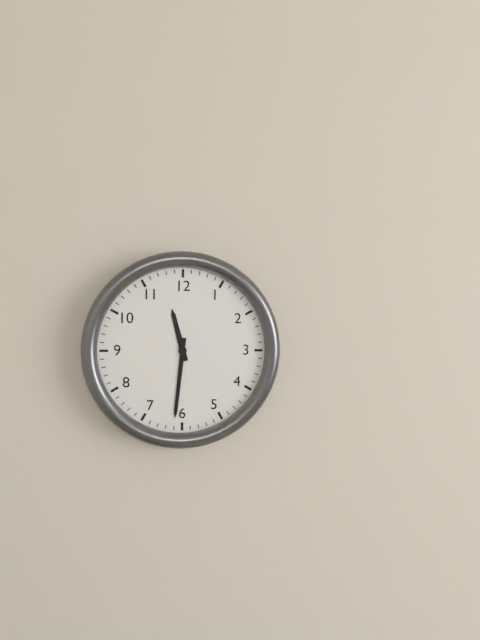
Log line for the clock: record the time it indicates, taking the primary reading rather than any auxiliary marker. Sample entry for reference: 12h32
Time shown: 11h31
